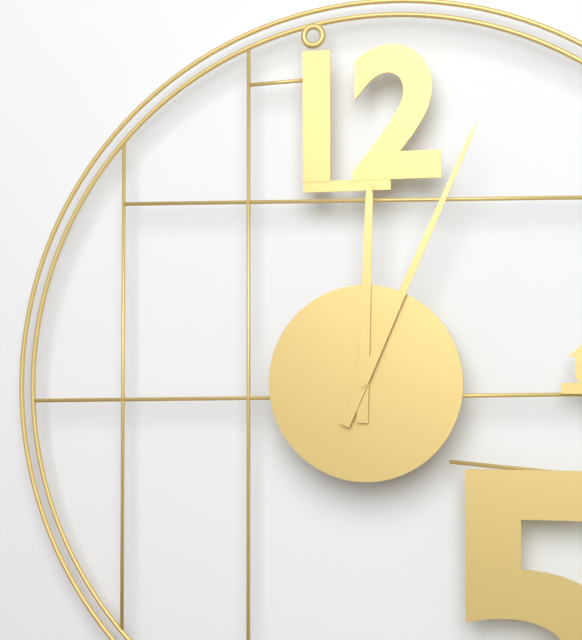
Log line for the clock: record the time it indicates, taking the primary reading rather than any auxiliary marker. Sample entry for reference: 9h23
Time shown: 12h04
